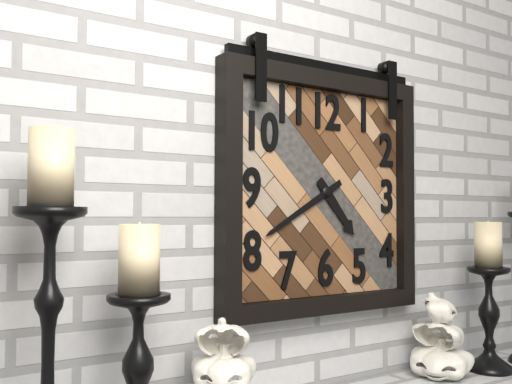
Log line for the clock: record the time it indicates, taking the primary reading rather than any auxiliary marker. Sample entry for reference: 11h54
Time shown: 4h40
